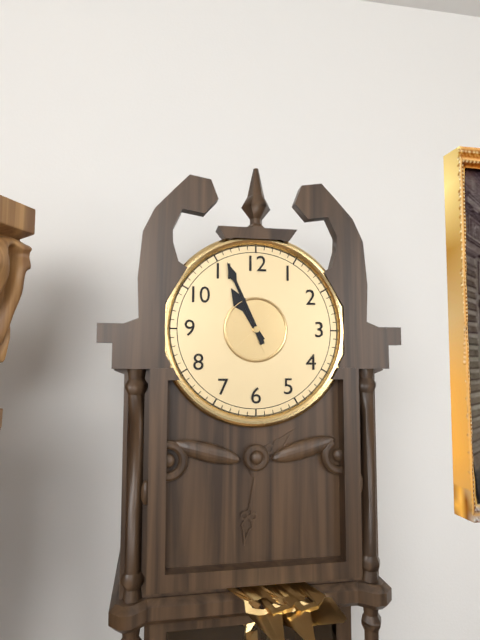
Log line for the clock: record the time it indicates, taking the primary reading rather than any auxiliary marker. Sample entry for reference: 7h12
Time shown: 10h56
